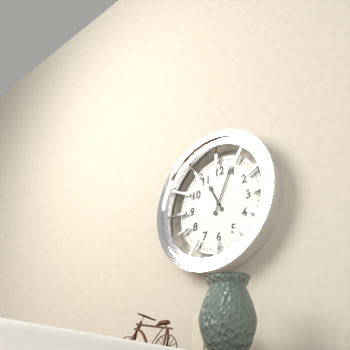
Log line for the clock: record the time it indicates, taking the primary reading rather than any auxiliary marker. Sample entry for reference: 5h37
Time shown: 11h04
